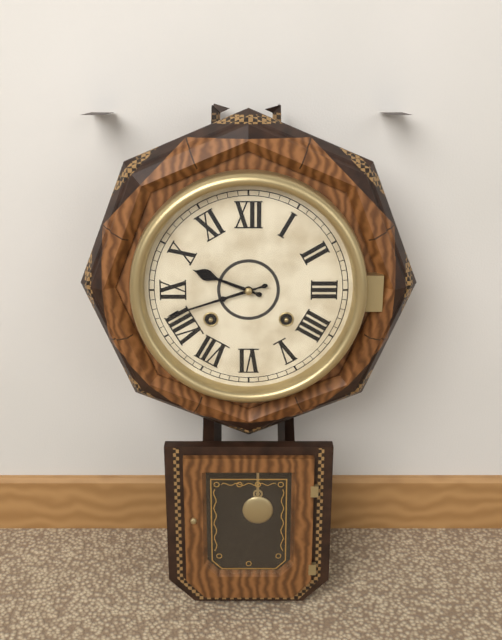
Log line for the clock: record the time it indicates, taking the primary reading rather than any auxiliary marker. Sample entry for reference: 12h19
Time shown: 9h42
